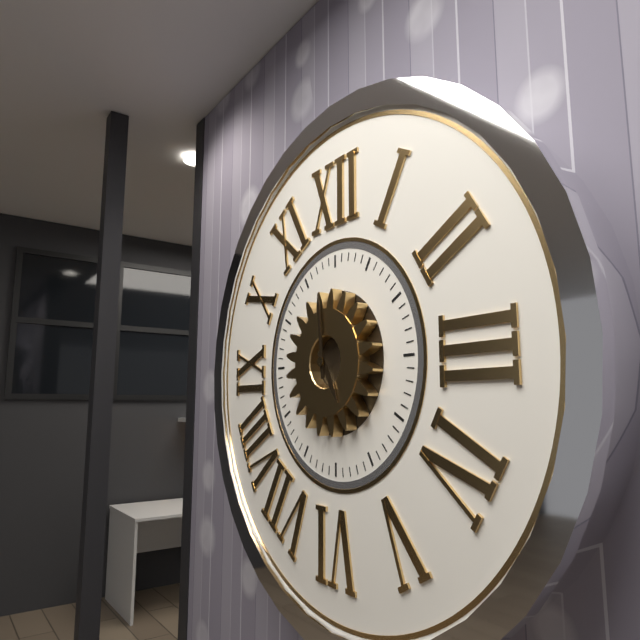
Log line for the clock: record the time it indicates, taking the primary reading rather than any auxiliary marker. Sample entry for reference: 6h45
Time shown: 4h59
